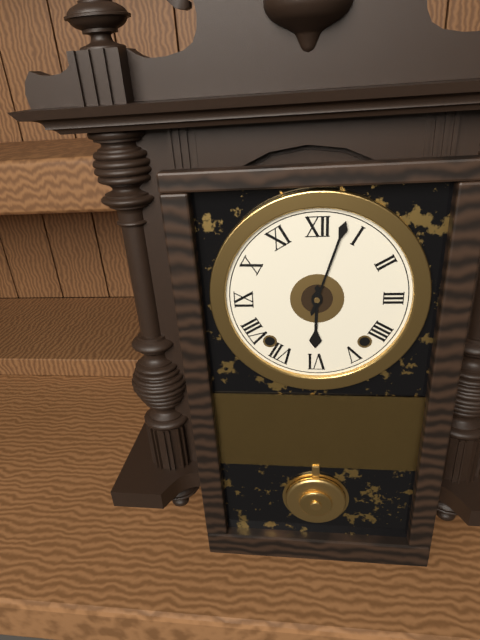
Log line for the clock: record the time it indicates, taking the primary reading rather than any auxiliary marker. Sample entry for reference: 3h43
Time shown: 6h03
